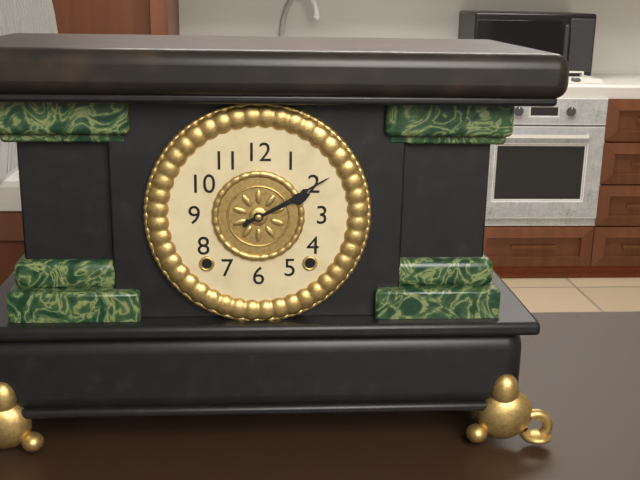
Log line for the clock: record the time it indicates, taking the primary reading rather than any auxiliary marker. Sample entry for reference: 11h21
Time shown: 2h10
